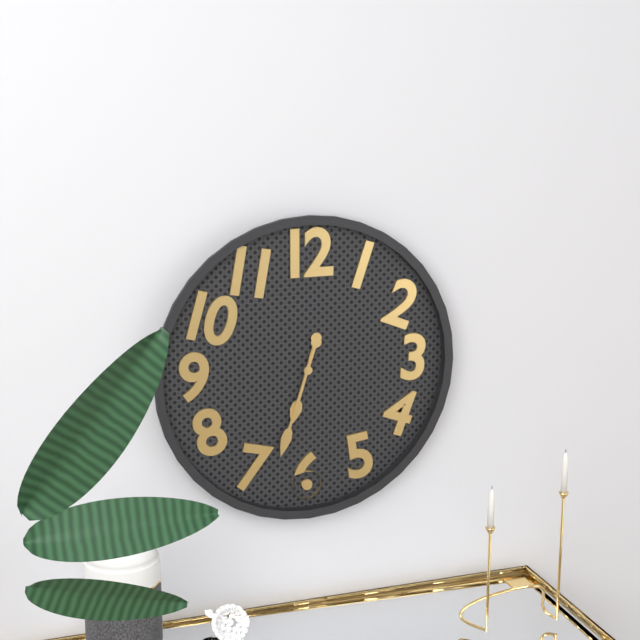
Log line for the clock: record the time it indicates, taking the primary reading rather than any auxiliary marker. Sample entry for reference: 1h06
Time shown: 6h33
